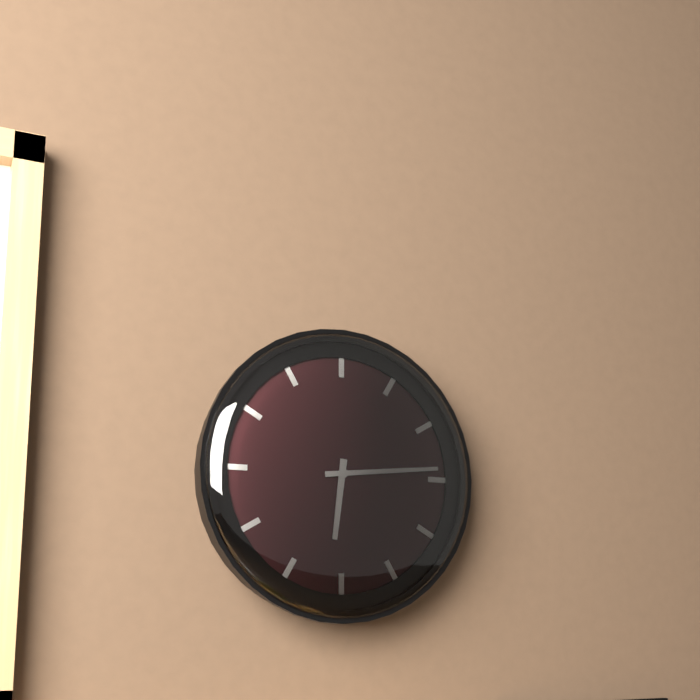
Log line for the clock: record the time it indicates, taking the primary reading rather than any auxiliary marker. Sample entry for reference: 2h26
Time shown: 6h14
